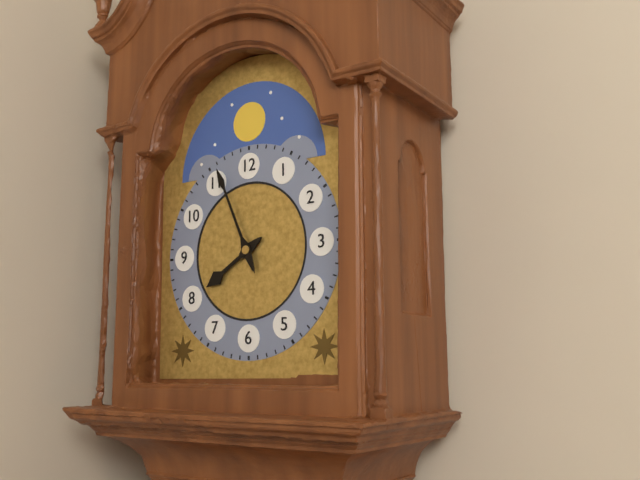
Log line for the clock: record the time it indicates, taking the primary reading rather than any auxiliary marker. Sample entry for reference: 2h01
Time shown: 7h56
